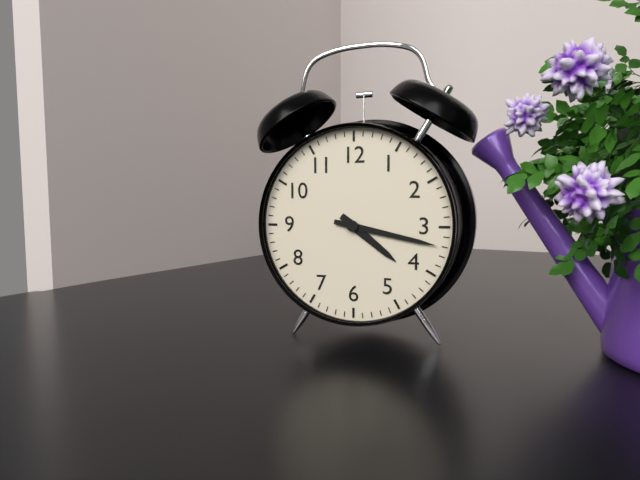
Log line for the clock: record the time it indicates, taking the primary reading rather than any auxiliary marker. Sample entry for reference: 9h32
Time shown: 4h17
